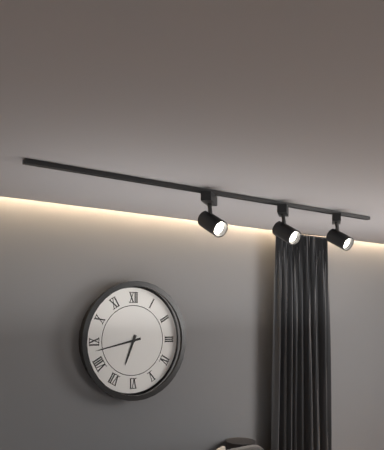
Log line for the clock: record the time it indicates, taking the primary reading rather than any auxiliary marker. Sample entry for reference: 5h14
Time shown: 6h43
